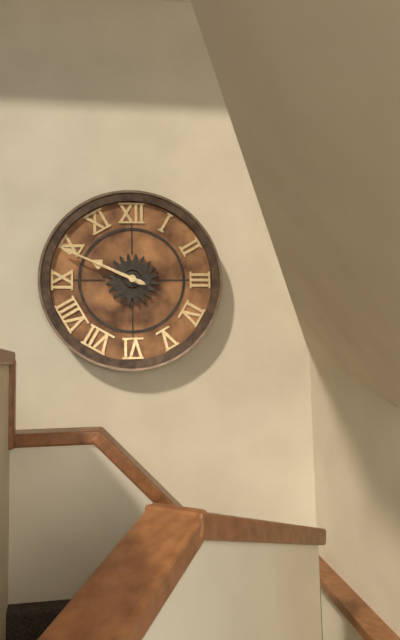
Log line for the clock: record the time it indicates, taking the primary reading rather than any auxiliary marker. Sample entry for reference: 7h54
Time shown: 9h49
